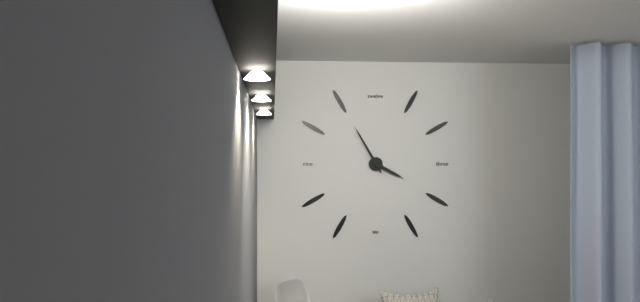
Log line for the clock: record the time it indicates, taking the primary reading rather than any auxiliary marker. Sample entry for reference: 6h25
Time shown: 3h55
